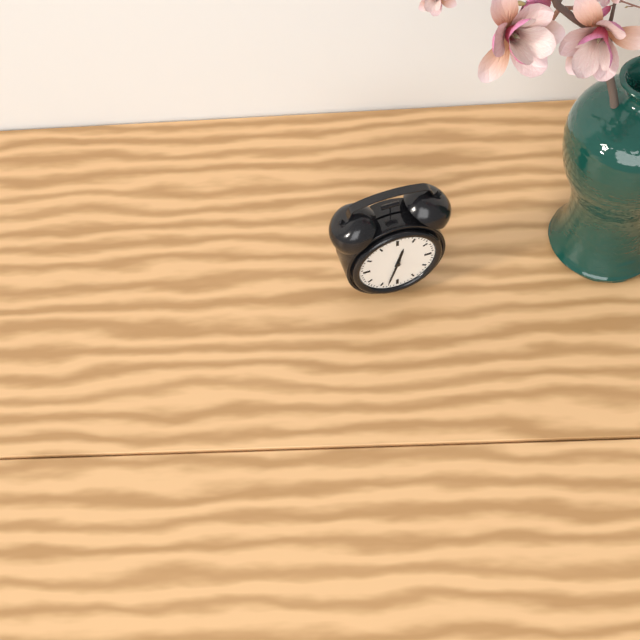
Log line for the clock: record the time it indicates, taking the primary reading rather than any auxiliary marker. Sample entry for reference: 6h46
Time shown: 12h33
